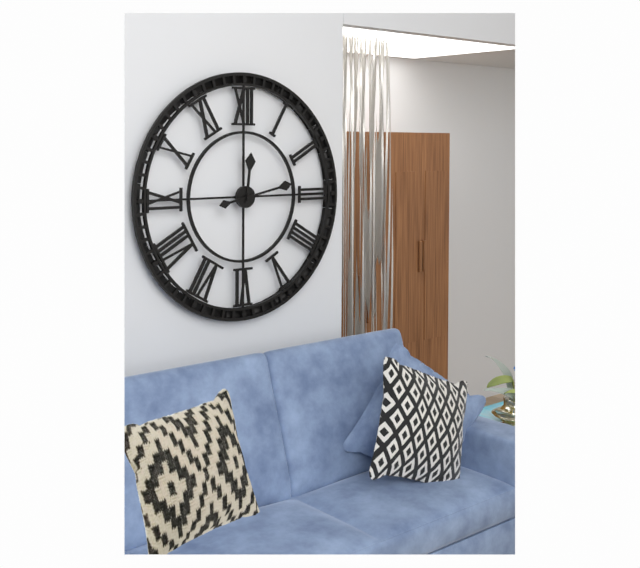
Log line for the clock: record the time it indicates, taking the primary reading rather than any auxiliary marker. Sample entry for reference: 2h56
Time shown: 12h13
